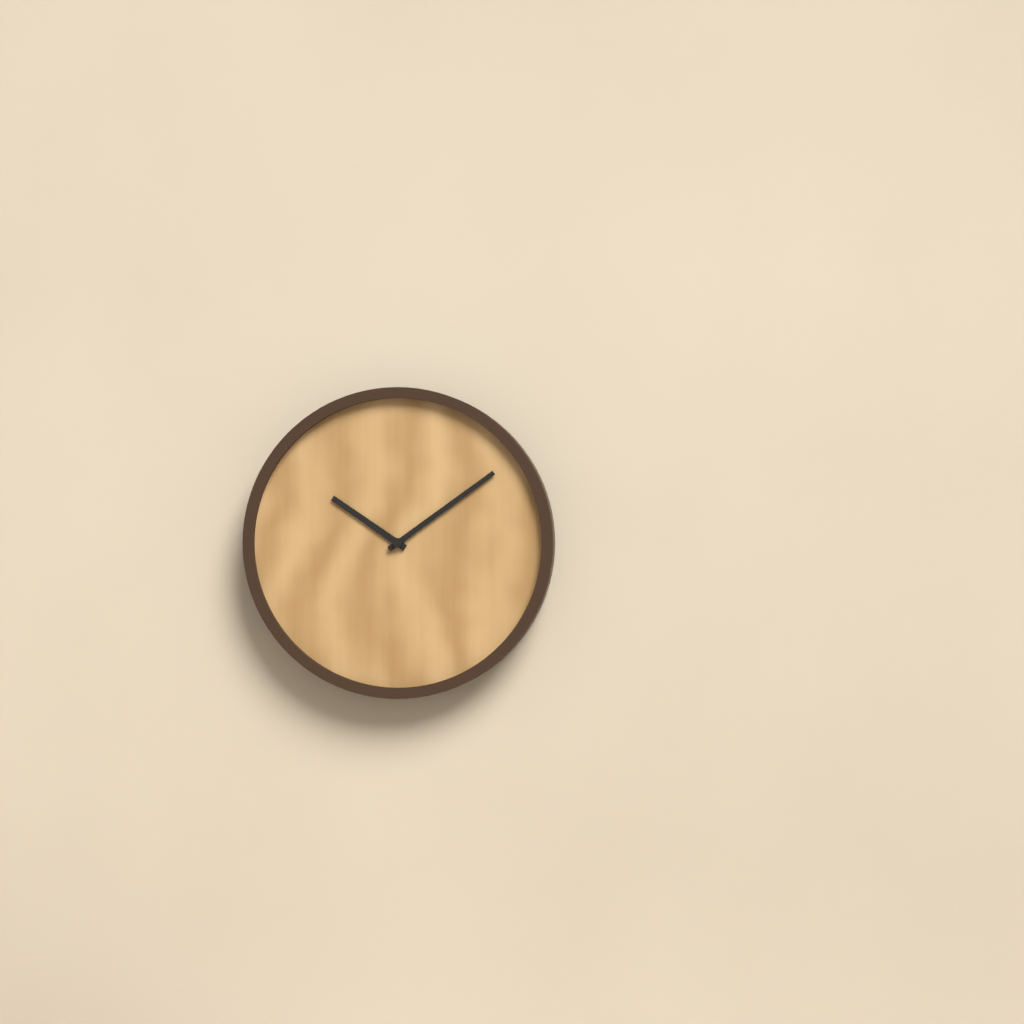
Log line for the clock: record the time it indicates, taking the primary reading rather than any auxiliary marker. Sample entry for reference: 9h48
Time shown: 10h09
